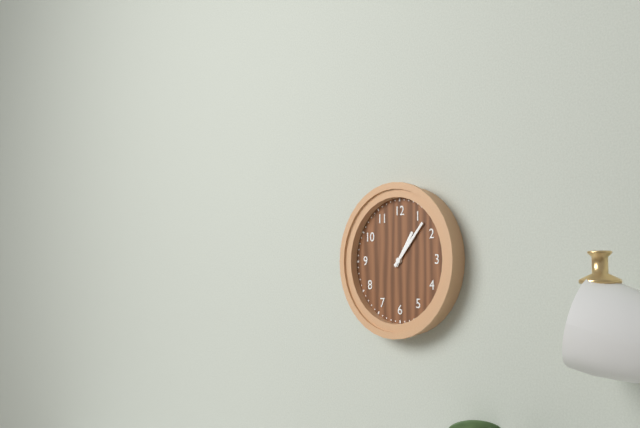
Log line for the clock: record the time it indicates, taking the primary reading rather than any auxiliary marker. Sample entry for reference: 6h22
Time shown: 1h07
